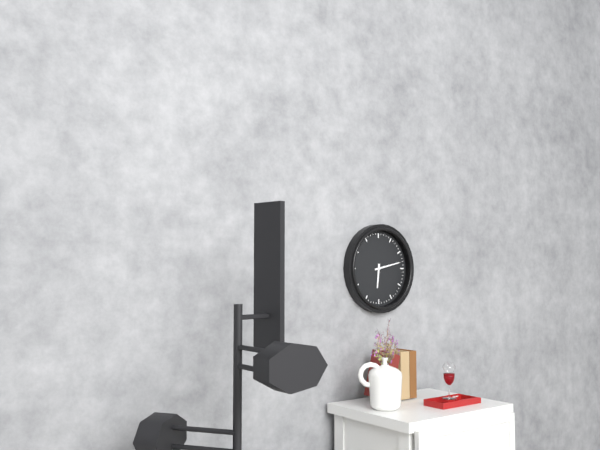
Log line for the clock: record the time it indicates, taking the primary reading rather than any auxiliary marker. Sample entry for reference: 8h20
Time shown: 6h13
